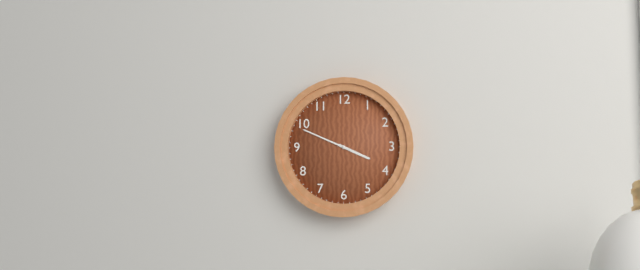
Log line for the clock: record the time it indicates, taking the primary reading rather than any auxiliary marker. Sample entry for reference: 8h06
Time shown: 3h49
